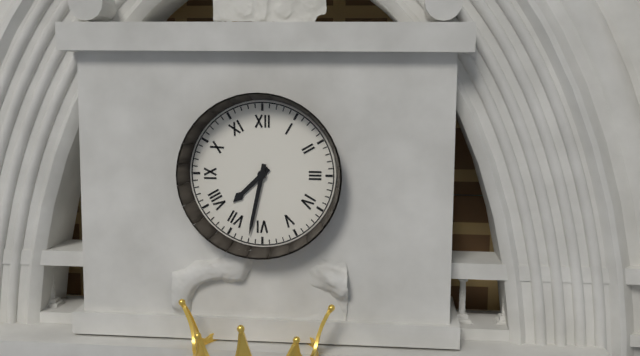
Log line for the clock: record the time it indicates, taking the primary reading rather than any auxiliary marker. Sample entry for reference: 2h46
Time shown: 7h32
